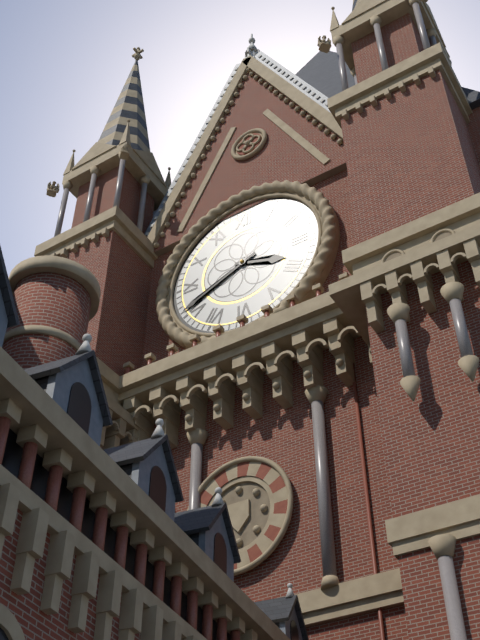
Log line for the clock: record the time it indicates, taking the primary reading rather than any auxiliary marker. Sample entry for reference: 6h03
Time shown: 3h41
